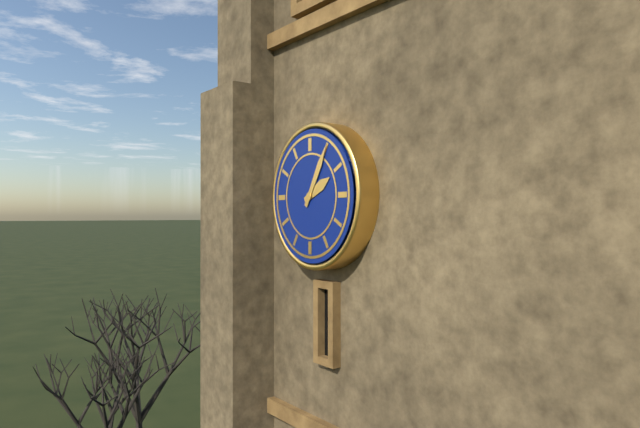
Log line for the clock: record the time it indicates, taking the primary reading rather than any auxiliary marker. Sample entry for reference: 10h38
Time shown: 2h05
